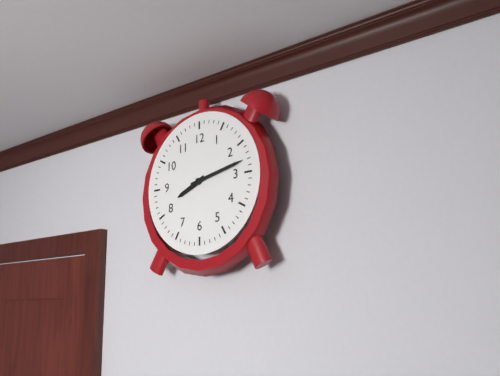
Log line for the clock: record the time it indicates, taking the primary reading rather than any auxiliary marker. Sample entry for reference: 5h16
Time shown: 8h13
